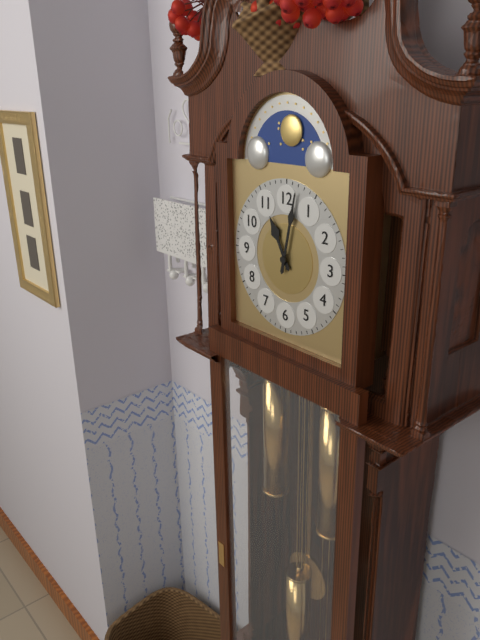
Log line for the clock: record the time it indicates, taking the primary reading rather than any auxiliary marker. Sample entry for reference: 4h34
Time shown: 11h02
